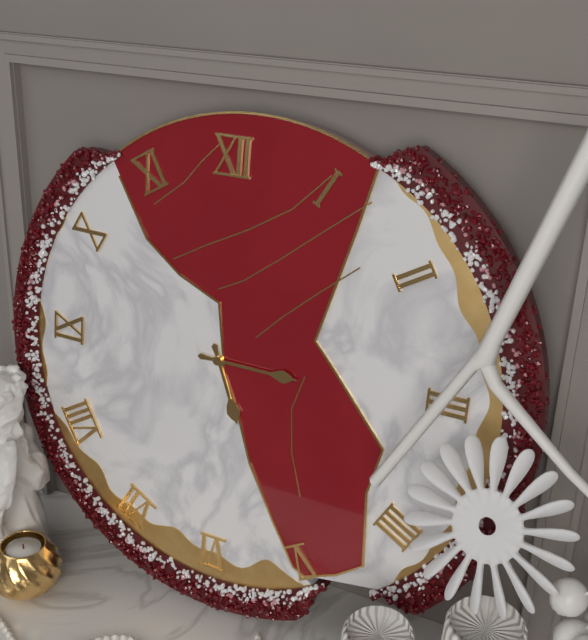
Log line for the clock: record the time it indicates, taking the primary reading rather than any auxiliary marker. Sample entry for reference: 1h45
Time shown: 5h15
